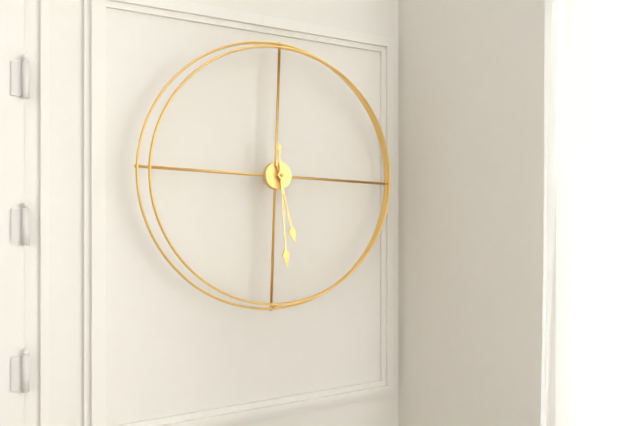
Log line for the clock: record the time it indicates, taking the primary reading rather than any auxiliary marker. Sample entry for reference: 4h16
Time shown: 5h29
